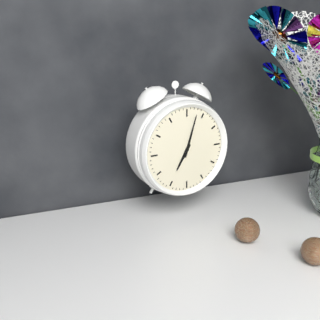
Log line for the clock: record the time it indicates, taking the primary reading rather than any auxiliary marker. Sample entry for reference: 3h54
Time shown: 7h03
